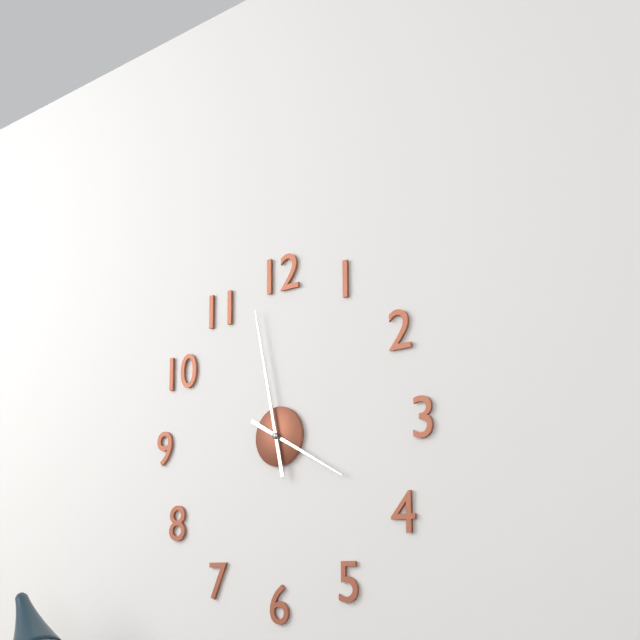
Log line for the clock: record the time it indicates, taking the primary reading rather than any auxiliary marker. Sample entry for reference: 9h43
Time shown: 3h58
